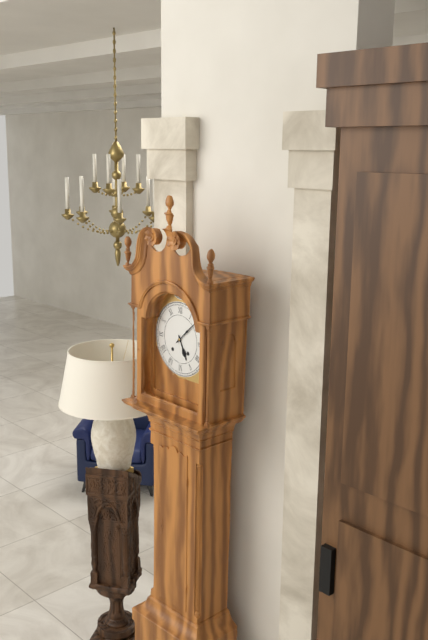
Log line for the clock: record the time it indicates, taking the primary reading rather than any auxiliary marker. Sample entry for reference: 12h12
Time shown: 5h08
